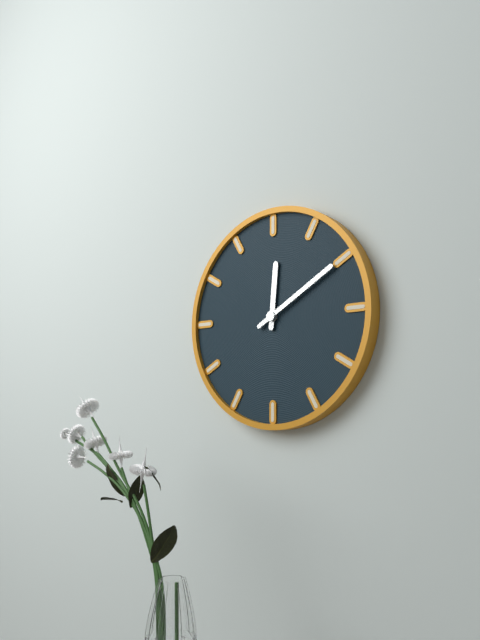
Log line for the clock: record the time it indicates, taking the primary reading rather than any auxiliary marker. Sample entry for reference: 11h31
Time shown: 12h10
